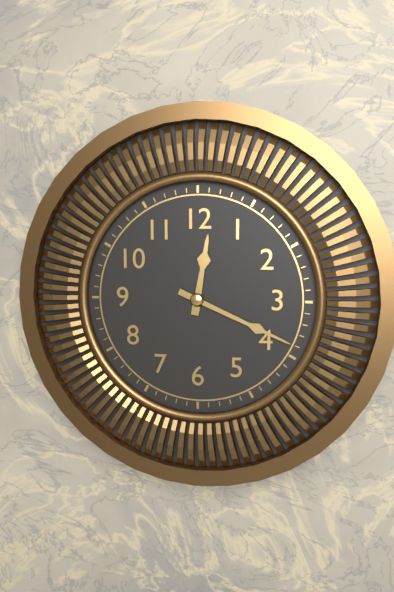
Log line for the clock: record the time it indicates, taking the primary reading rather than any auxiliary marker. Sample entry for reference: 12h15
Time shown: 12h19
